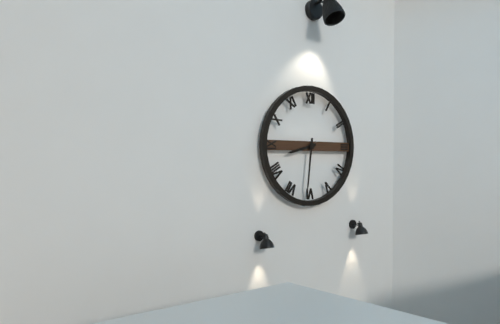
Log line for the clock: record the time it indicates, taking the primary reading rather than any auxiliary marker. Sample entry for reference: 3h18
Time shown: 8h31
